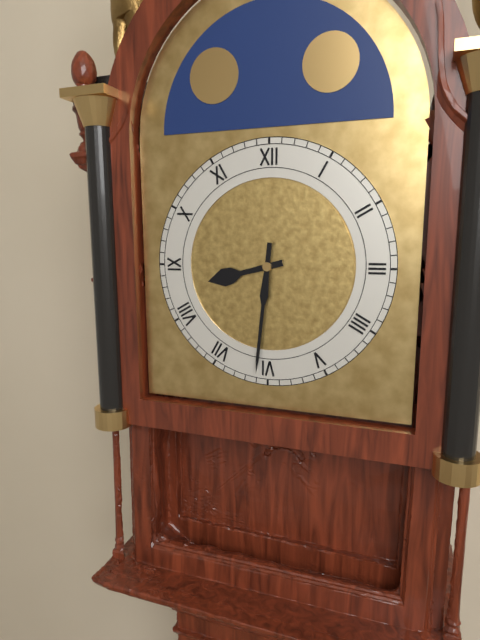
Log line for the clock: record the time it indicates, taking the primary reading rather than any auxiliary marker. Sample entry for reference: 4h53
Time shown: 8h31
